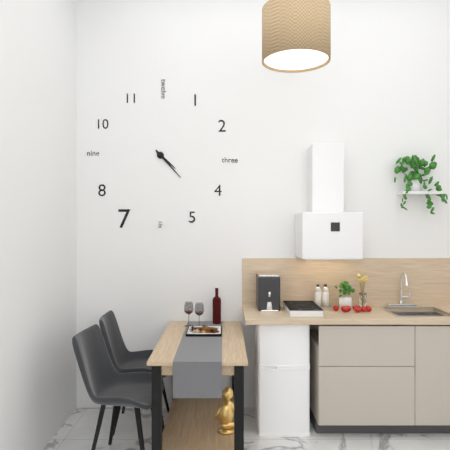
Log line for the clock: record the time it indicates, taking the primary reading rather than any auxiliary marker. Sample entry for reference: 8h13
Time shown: 4h23
